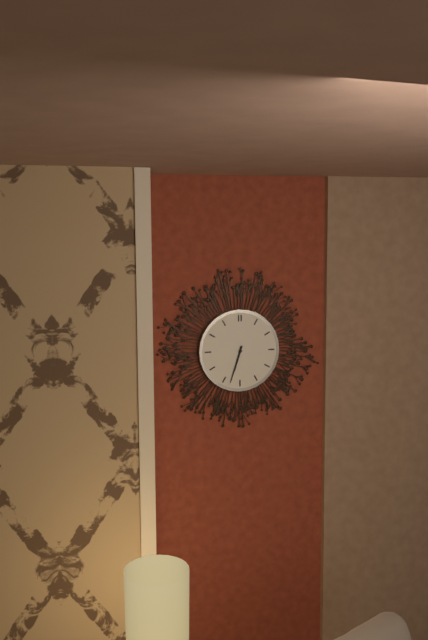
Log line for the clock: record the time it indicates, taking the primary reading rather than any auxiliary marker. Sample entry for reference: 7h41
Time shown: 6h33
